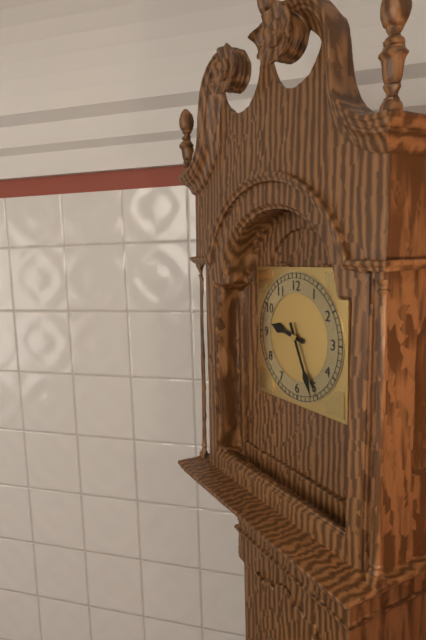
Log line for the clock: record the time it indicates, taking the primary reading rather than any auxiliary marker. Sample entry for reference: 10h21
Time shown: 9h26
